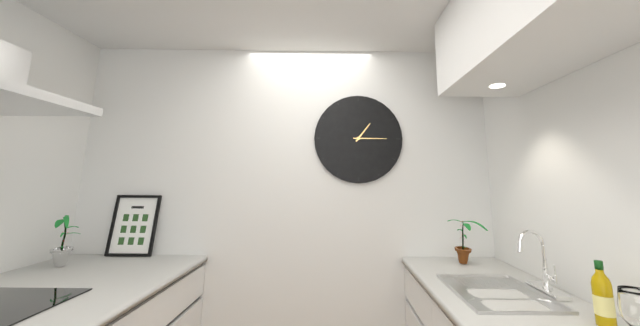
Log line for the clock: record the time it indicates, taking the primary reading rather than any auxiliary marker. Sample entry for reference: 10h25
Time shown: 1h15
